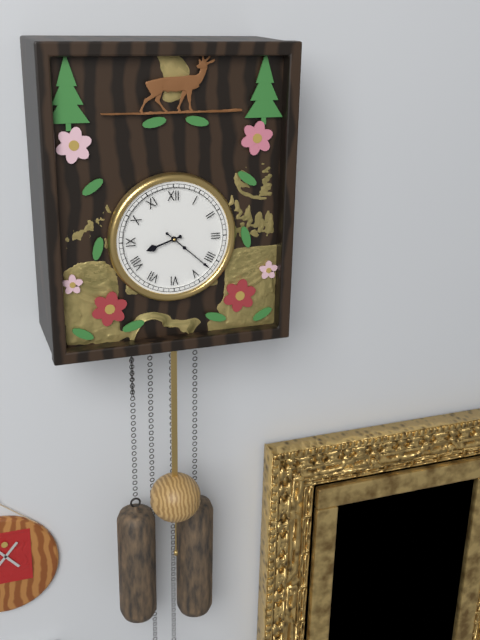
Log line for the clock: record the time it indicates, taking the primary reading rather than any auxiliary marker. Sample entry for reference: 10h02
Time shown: 8h22
